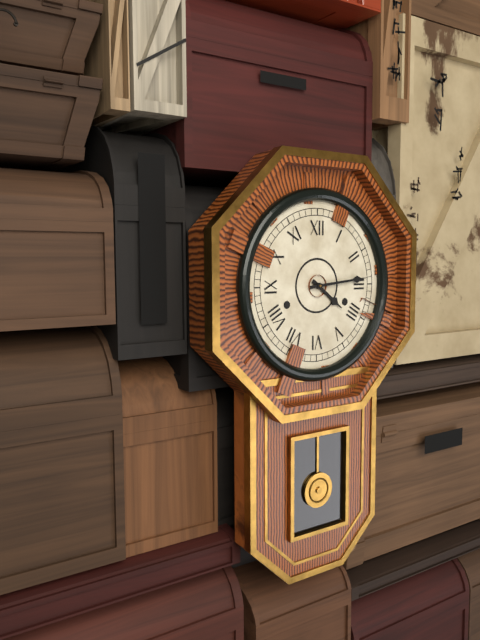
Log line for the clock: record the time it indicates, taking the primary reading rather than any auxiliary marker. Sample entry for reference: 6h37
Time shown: 4h14
